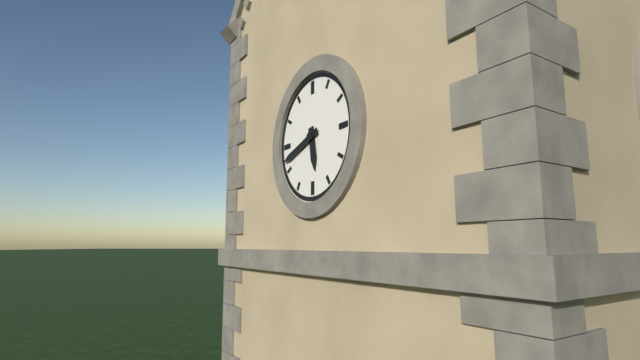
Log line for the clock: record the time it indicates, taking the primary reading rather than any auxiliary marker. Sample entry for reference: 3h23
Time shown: 5h42
